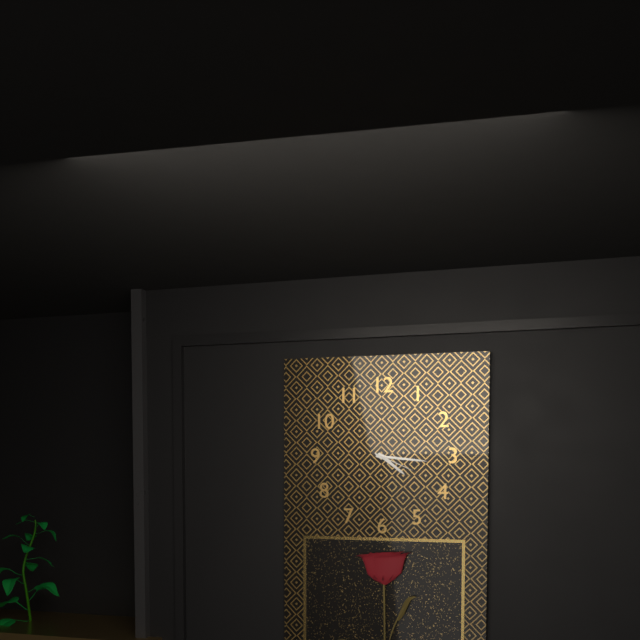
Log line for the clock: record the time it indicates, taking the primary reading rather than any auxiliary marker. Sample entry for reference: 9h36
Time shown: 4h16
